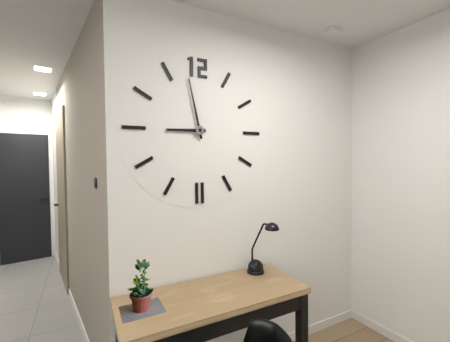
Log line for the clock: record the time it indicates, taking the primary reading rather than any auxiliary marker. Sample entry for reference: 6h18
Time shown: 8h58
